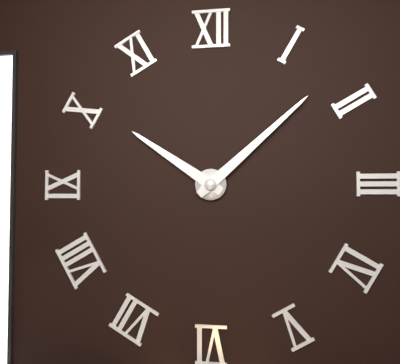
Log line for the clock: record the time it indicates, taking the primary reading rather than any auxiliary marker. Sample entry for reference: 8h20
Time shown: 10h08
